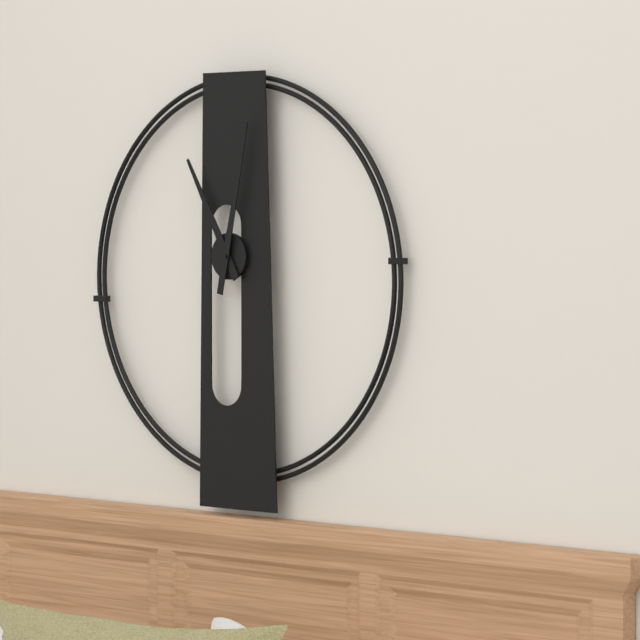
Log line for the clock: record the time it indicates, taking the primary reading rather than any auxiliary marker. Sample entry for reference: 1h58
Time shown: 11h02
